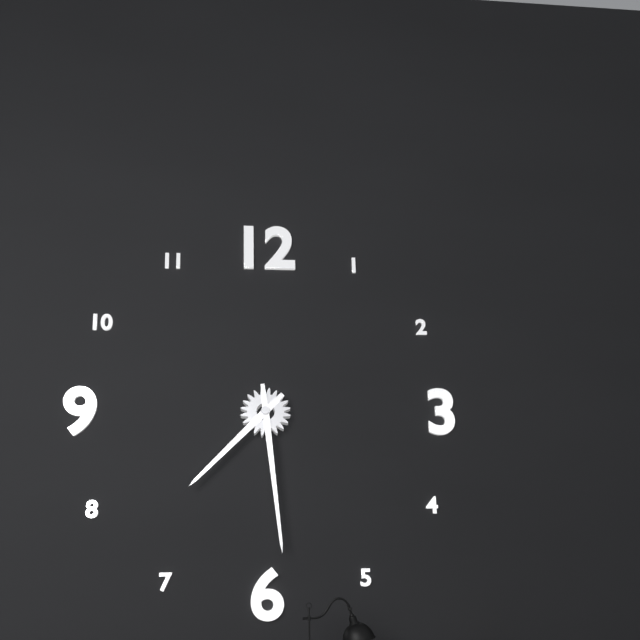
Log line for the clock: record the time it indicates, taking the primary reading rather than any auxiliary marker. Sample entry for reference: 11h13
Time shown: 7h29
